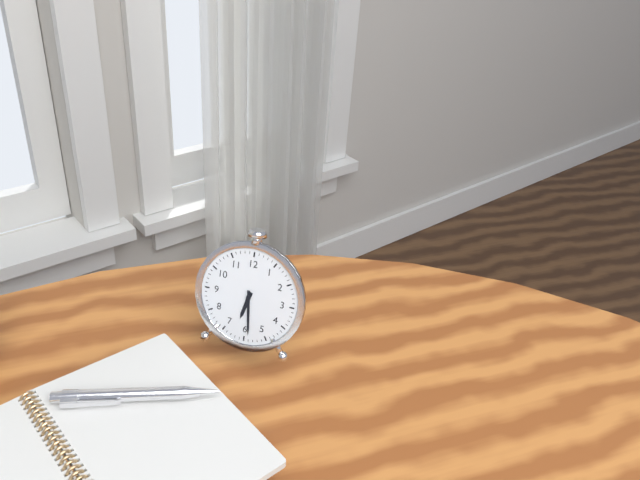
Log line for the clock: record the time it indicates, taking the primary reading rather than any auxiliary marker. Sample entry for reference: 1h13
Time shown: 6h29
